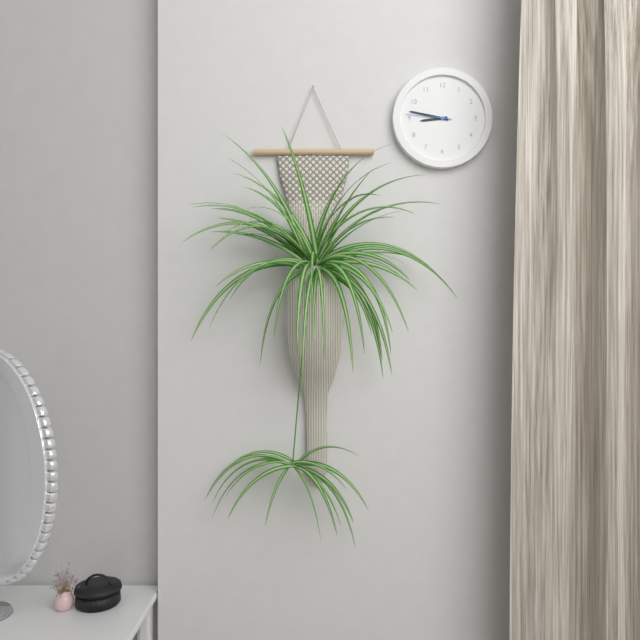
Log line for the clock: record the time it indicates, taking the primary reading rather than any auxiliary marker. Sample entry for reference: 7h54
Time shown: 8h47
